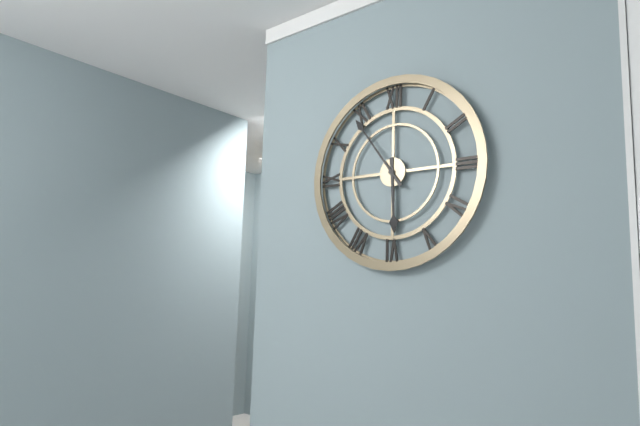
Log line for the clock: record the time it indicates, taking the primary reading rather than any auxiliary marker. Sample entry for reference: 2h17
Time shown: 5h54
